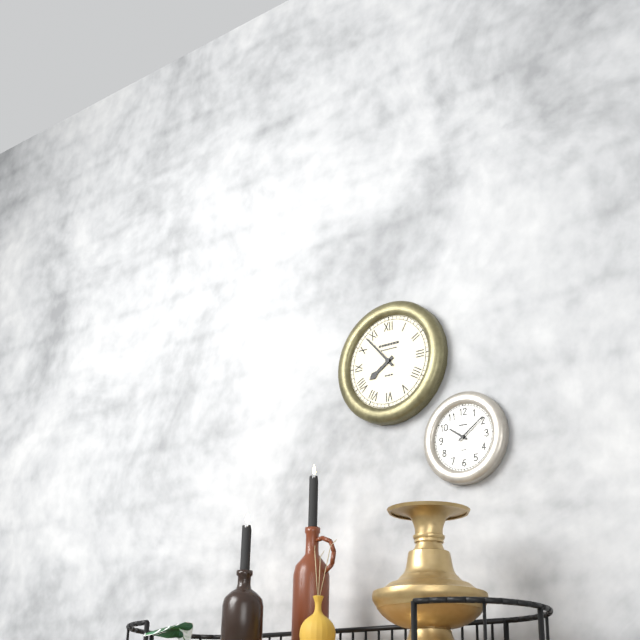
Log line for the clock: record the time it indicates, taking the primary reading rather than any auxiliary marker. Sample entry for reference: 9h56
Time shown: 7h53
